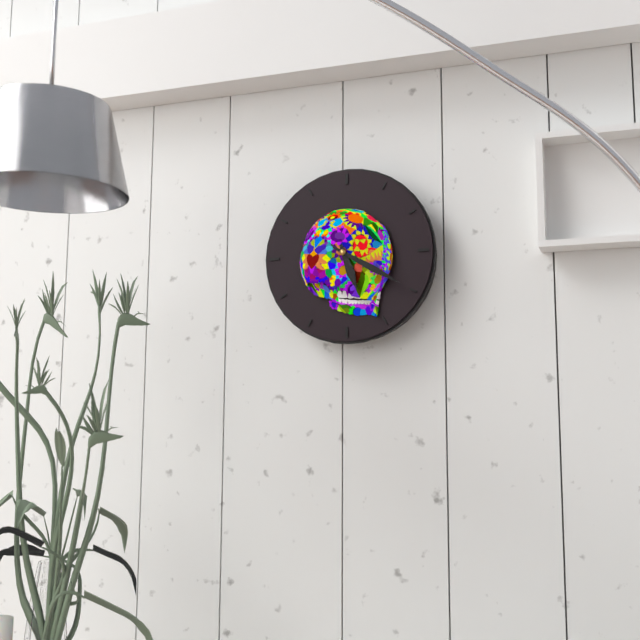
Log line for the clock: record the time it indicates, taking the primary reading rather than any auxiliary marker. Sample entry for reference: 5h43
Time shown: 5h20
